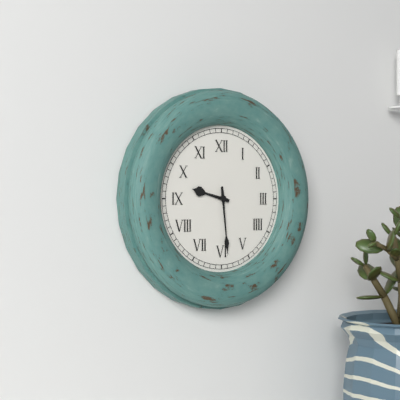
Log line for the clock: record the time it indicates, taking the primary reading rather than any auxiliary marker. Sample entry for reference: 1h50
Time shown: 9h29
